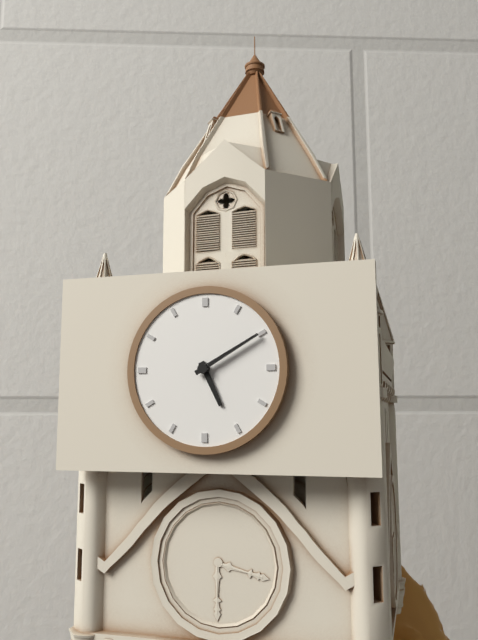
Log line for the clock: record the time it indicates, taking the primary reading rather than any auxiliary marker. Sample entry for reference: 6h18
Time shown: 5h10
